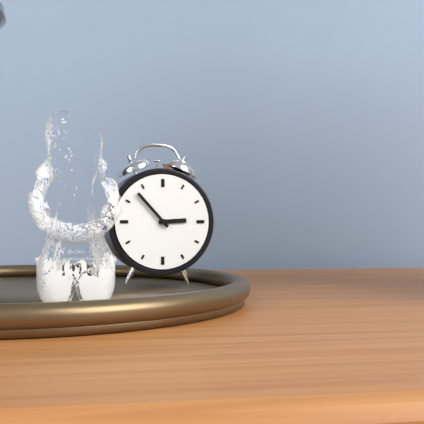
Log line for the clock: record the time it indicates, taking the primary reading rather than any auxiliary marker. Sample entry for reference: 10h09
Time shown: 2h53
